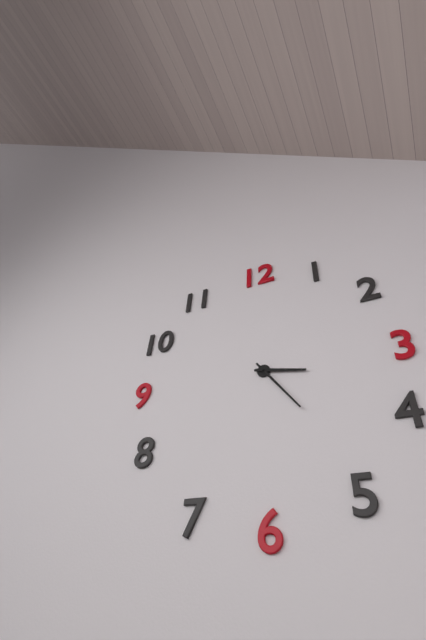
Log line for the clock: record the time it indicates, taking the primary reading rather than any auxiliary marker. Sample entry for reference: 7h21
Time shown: 3h24
